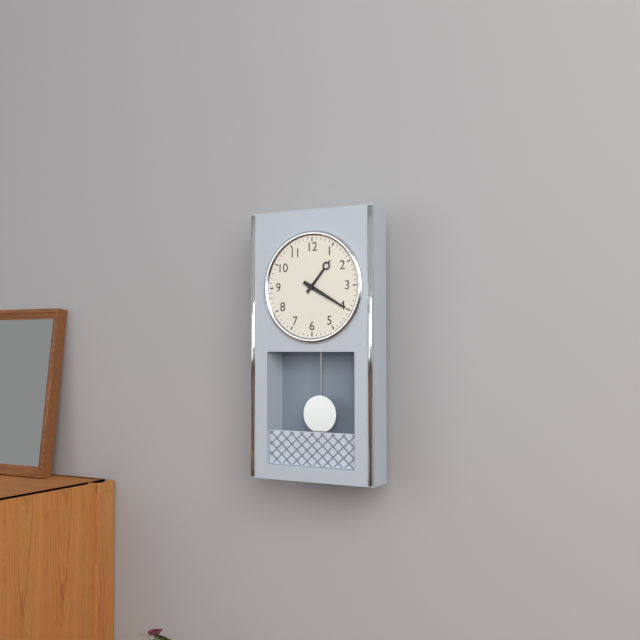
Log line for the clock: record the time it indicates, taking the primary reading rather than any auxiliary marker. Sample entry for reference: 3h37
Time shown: 1h20
